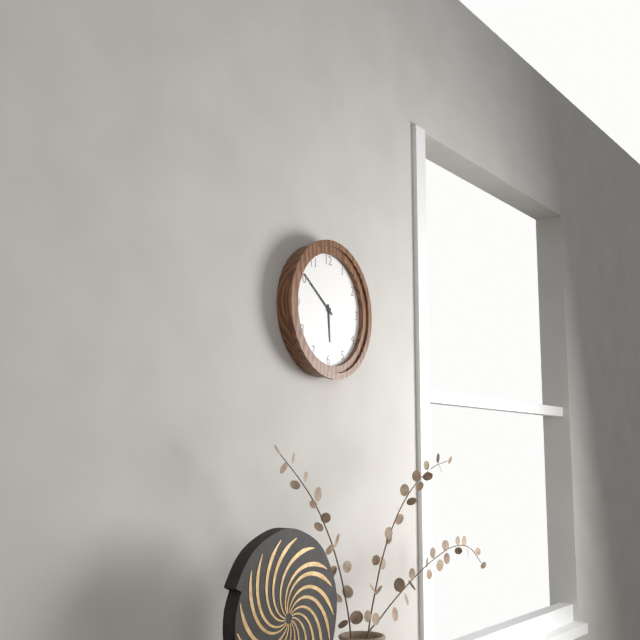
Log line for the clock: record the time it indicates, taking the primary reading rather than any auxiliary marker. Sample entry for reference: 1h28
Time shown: 5h51
